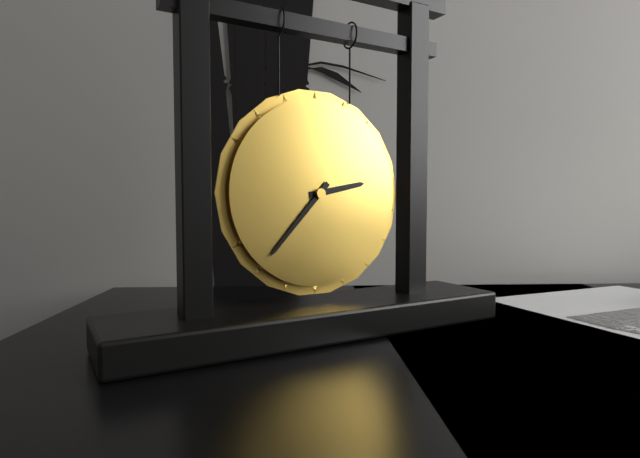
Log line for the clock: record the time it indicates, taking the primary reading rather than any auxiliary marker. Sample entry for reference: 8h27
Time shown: 2h37
